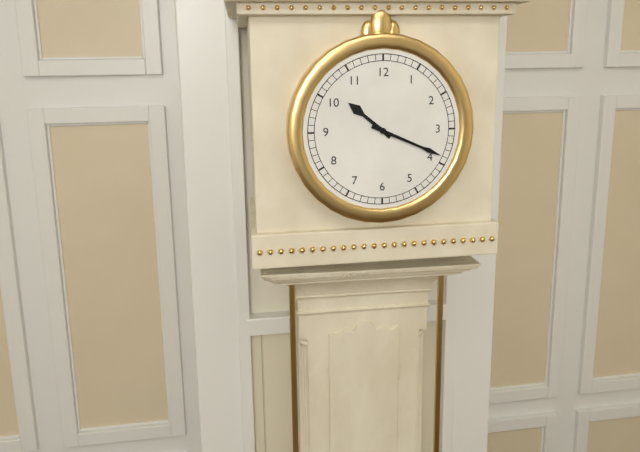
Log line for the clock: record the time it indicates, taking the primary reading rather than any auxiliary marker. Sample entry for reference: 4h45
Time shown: 10h19
